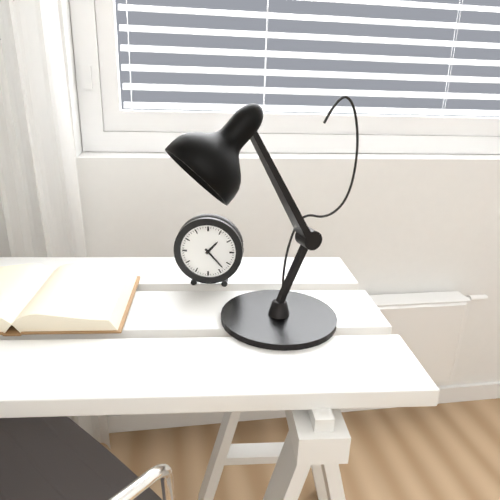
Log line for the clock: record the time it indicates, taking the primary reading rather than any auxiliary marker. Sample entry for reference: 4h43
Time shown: 1h23
